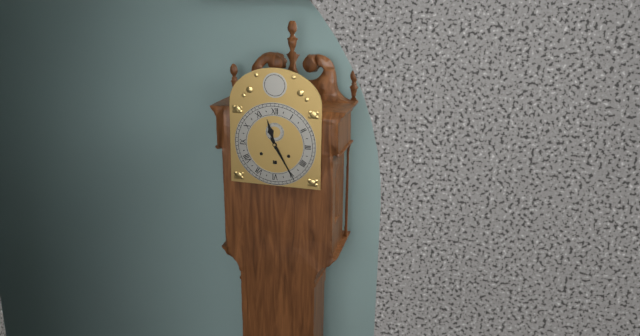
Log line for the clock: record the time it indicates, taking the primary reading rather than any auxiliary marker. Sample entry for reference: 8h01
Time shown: 11h25
